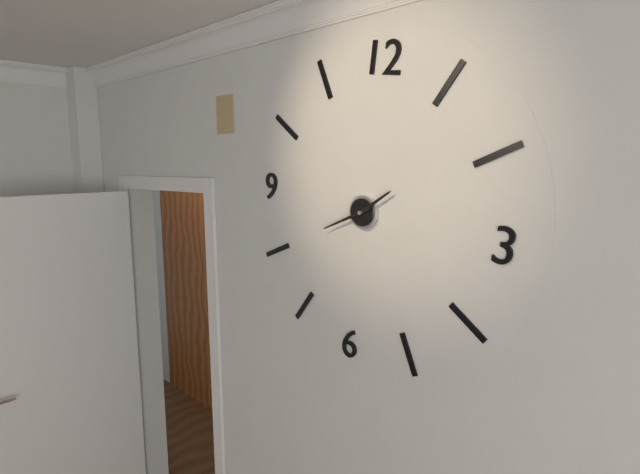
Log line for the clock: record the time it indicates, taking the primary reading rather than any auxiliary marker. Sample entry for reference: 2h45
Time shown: 1h40
